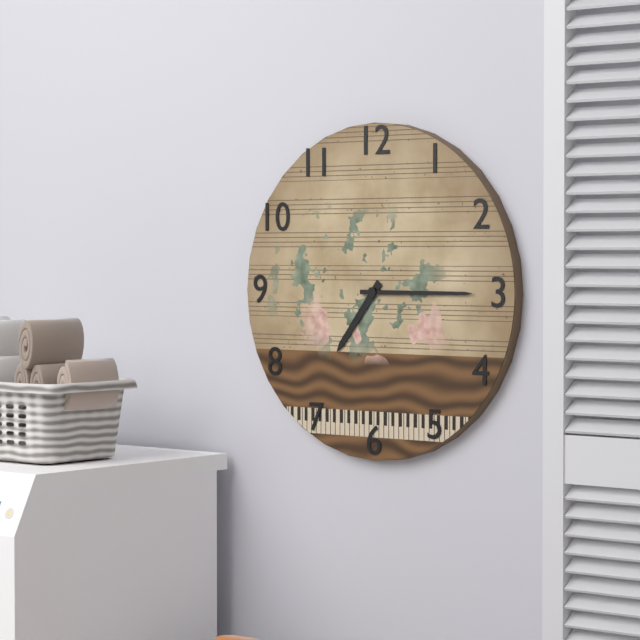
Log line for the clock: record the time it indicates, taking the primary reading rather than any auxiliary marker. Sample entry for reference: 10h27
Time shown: 7h15
